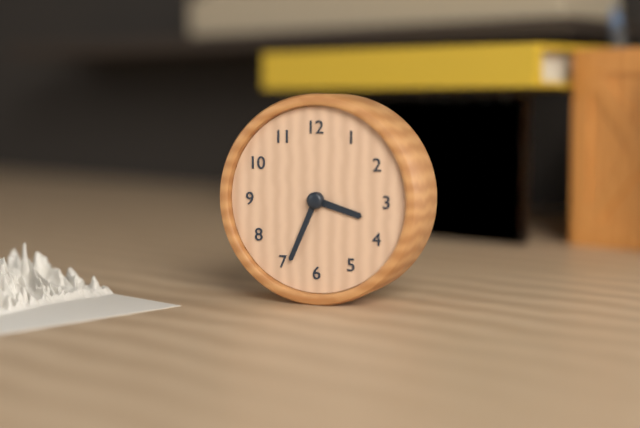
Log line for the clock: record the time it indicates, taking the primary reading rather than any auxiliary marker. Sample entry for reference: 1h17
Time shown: 3h34
